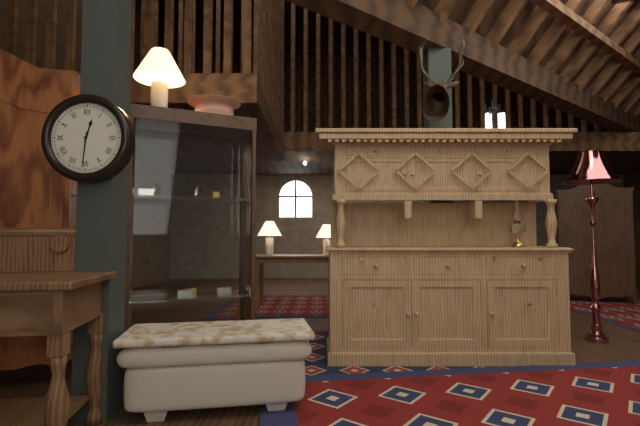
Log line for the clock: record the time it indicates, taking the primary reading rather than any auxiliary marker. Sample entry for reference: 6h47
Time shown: 12h31
